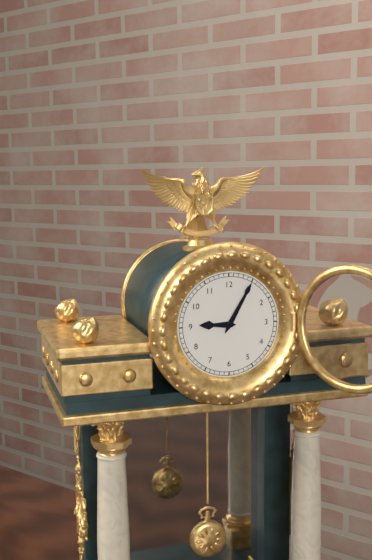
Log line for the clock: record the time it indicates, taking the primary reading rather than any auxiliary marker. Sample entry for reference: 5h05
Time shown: 9h05
